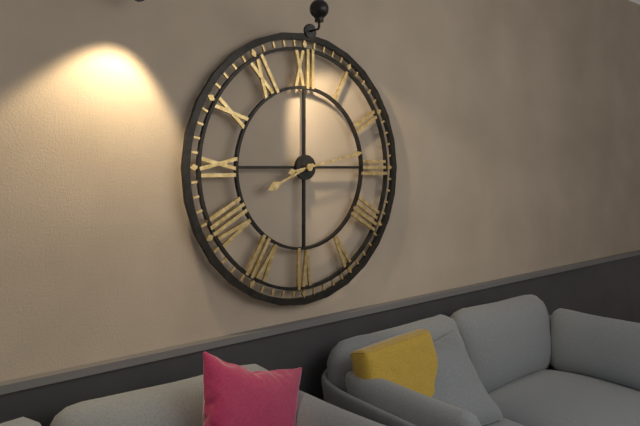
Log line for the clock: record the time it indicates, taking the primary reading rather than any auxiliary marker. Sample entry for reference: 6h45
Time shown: 8h13
